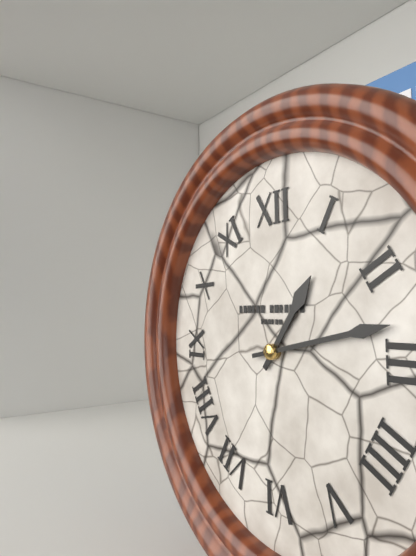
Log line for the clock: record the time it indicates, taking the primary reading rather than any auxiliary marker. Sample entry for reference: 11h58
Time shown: 1h13
